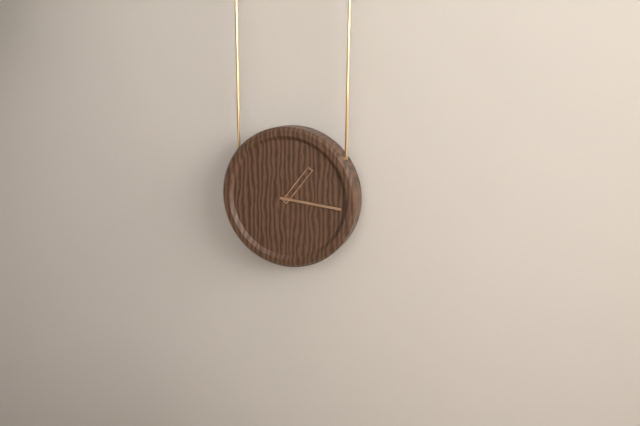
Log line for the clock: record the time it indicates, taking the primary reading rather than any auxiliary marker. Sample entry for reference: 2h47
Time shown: 1h16
